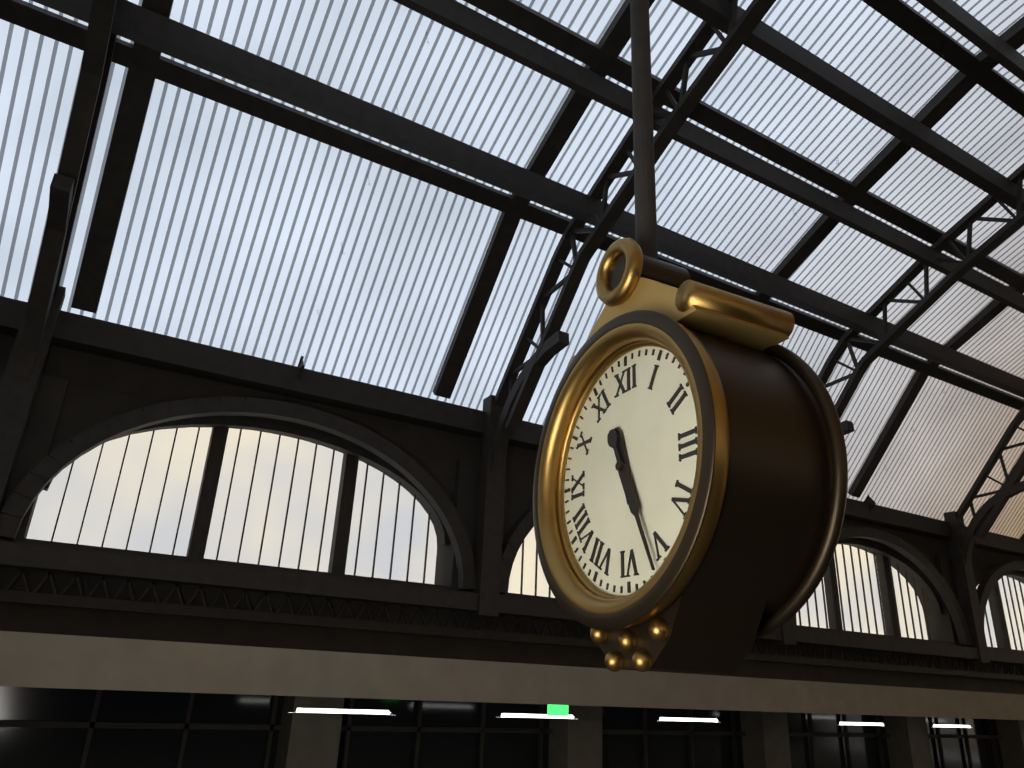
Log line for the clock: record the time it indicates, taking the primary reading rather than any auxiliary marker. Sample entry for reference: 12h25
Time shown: 11h26
